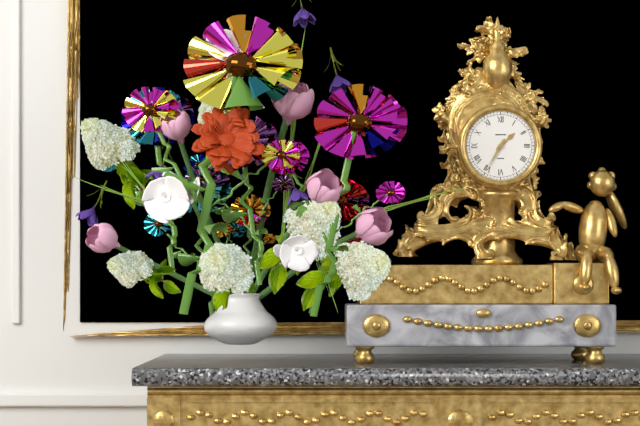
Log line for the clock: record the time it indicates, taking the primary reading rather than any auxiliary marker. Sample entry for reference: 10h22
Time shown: 1h35
